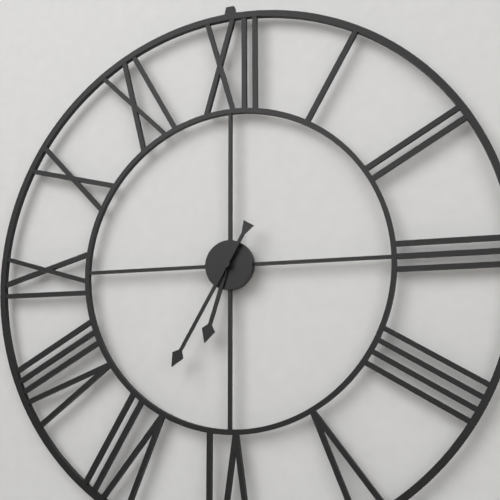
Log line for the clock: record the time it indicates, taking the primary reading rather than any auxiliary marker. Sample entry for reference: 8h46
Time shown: 6h35
